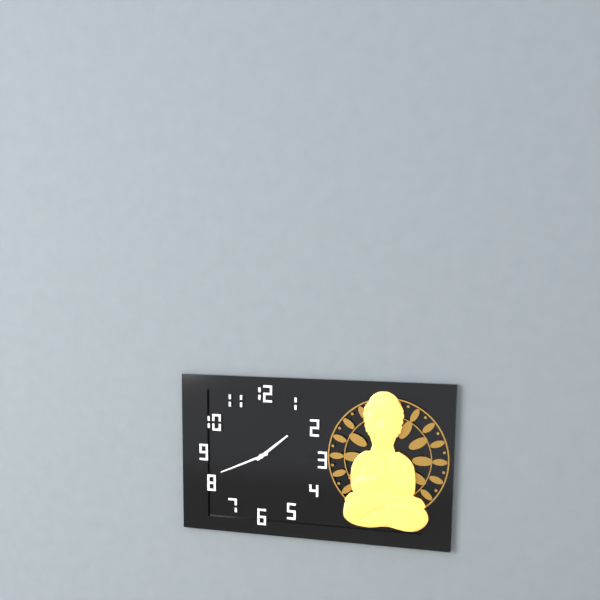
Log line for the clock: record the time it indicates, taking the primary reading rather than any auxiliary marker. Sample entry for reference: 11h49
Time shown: 1h41
